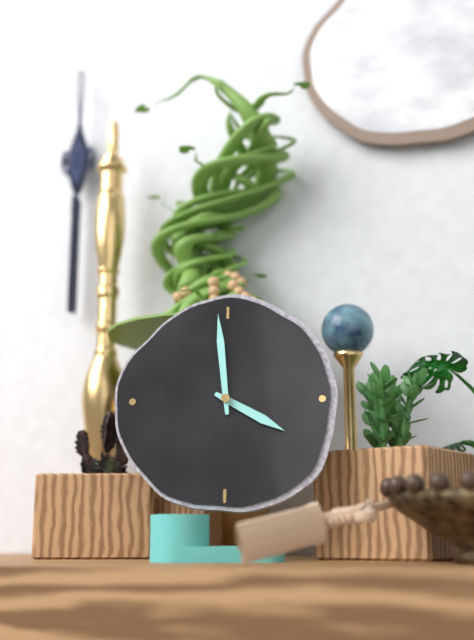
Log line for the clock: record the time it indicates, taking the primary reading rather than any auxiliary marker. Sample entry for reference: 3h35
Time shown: 3h59
